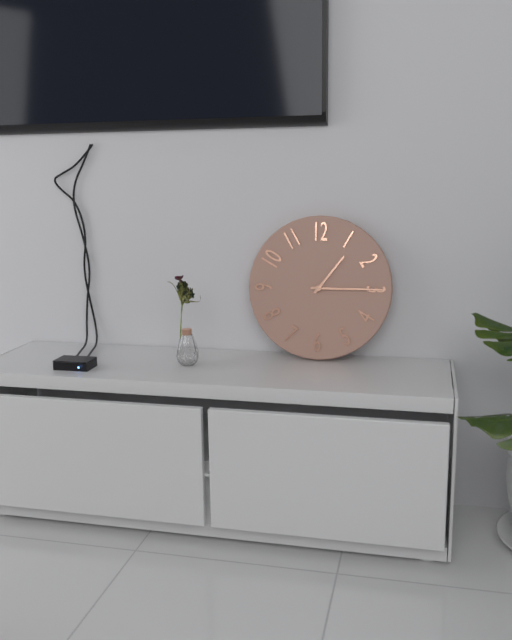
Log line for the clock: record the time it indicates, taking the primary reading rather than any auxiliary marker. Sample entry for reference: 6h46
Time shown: 1h15
